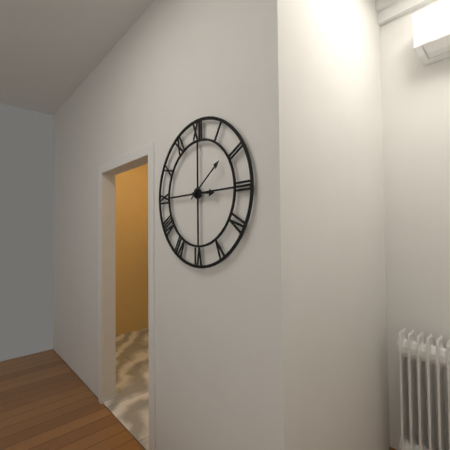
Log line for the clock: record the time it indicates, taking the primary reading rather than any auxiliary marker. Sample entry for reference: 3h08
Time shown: 3h09
